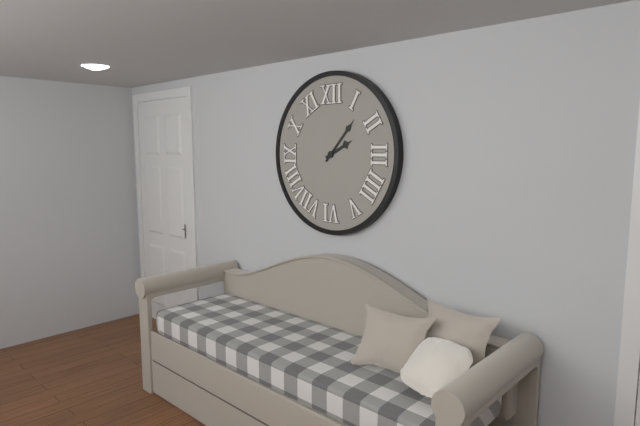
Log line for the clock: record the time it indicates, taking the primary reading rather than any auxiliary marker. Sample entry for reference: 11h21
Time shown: 2h07
